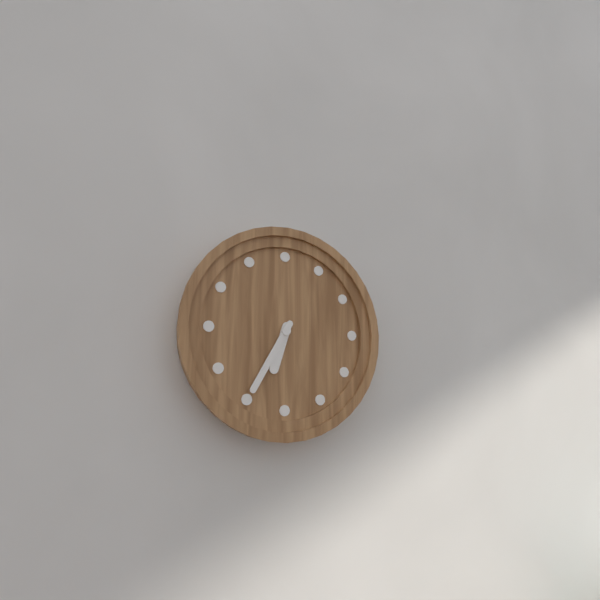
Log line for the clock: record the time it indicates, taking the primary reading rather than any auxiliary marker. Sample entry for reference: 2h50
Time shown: 6h35
